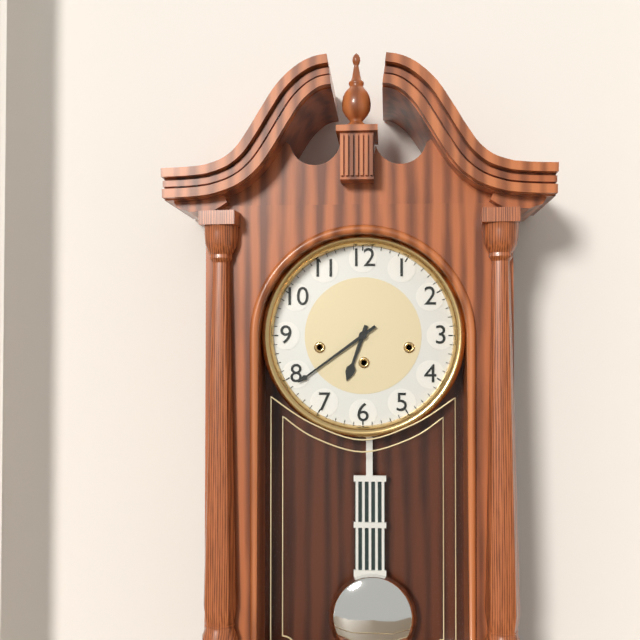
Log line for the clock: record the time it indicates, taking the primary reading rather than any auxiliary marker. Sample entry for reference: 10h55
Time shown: 6h39
